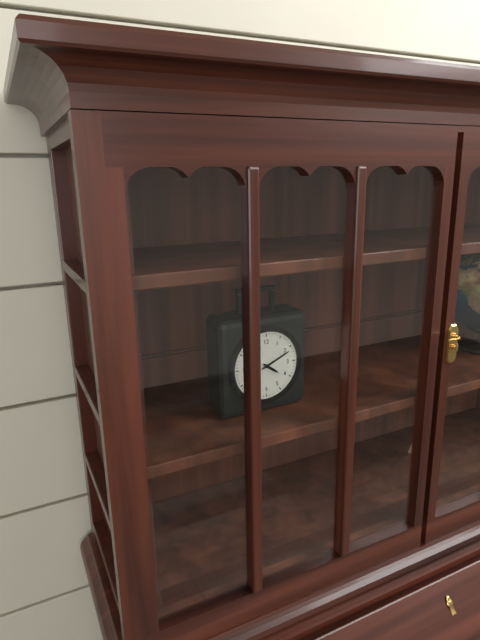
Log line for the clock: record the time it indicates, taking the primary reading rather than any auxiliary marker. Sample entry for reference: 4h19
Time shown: 4h11
